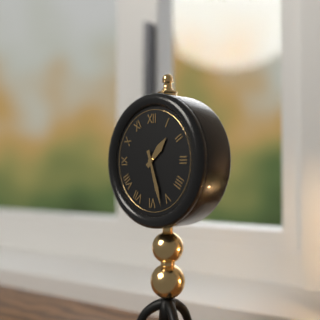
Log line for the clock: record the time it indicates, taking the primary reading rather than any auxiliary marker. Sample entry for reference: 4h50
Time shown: 1h27
